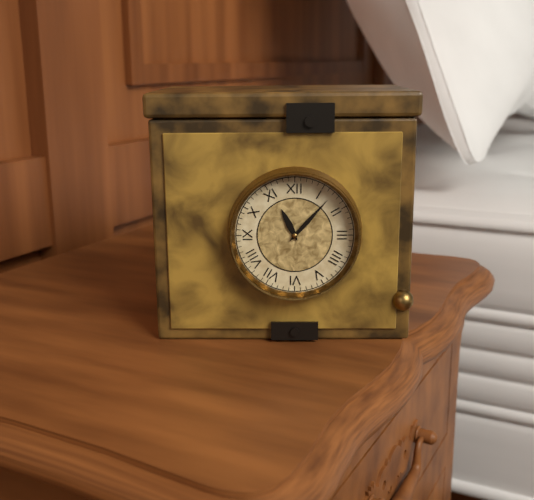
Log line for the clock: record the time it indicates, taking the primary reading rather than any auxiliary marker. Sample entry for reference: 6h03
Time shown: 11h07
